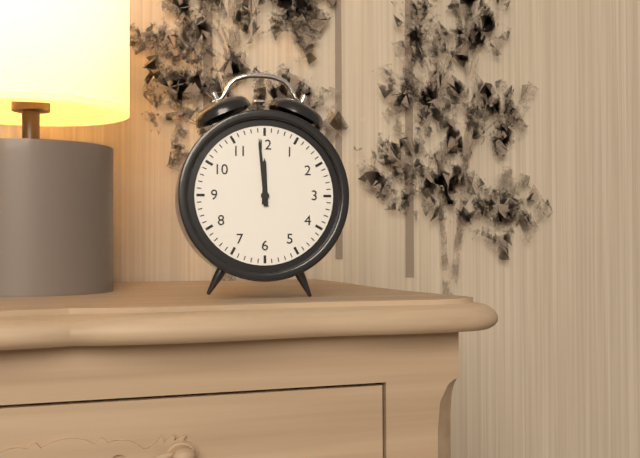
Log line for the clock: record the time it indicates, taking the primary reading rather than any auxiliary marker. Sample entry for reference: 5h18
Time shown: 11h59
